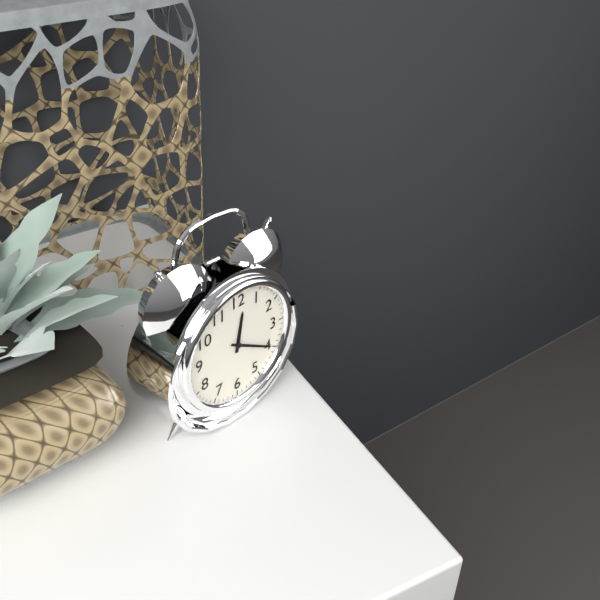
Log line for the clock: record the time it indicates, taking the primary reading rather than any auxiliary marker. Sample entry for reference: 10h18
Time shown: 12h20
